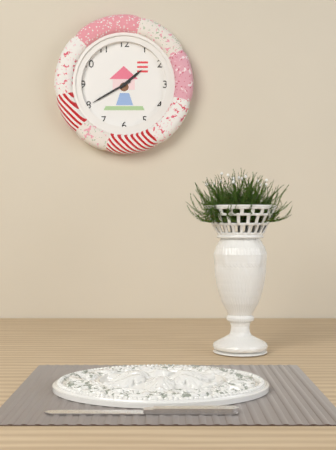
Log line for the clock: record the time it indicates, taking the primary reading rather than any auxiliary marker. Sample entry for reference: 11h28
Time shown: 1h40
